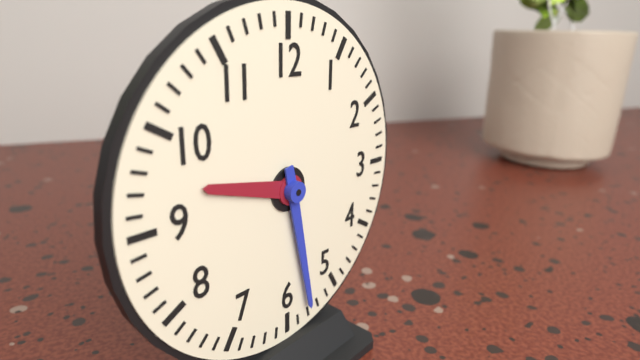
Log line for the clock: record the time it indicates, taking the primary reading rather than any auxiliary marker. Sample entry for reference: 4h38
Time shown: 9h28
